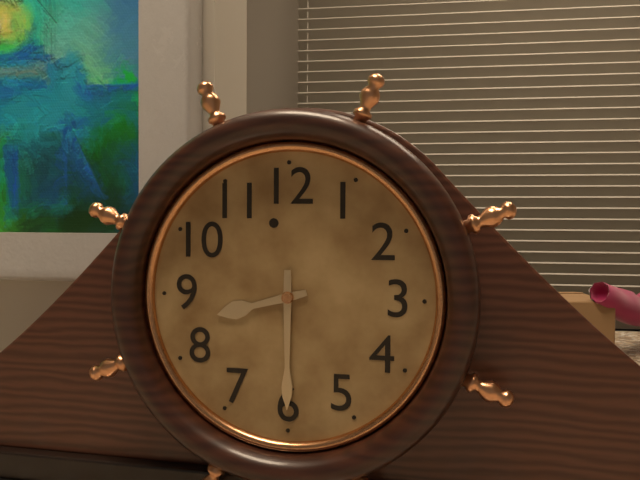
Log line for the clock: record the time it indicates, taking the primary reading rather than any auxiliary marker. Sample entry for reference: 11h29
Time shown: 8h30
